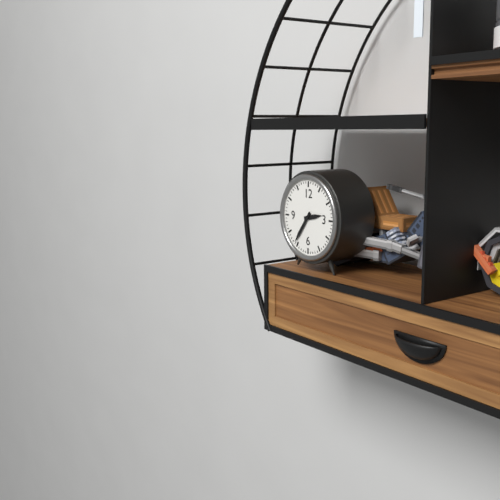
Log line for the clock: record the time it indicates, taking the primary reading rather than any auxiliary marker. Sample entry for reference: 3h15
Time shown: 2h36
